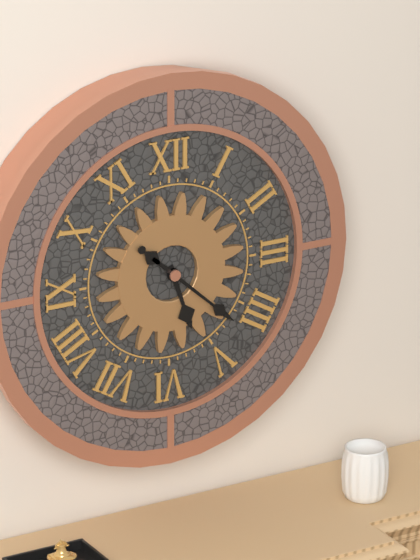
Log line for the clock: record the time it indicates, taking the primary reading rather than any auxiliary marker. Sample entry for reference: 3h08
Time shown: 5h22
